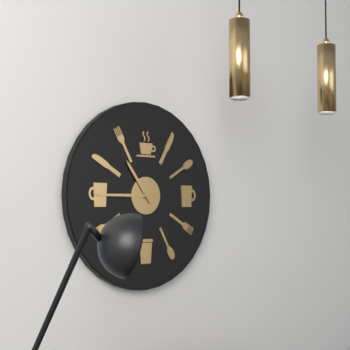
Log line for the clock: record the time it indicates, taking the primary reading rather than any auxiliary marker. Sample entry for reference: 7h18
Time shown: 10h45
